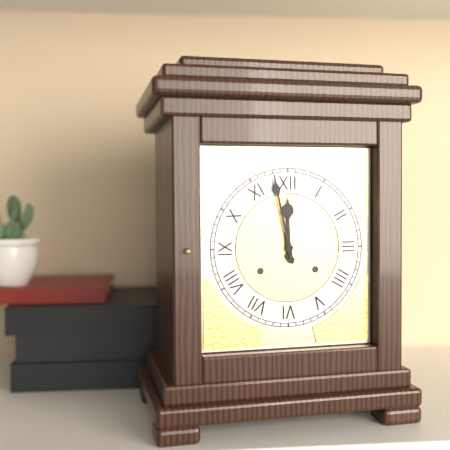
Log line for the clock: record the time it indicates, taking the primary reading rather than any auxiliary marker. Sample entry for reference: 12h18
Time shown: 11h58
